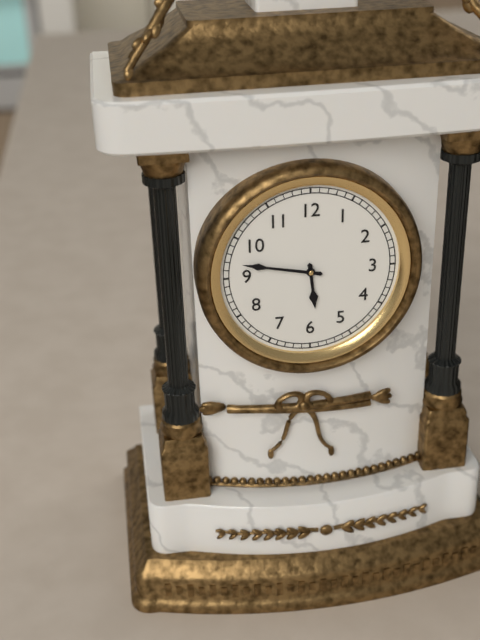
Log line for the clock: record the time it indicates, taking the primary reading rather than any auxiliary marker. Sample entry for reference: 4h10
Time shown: 5h47
